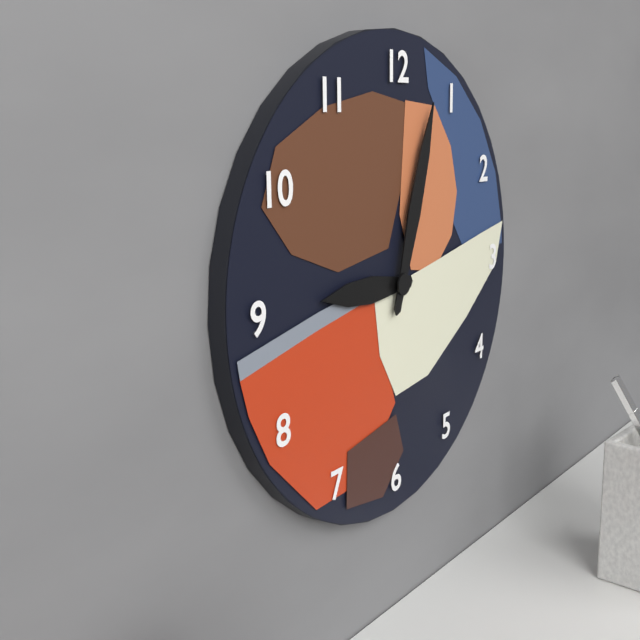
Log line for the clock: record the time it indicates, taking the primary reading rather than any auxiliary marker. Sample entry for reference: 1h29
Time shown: 9h03
